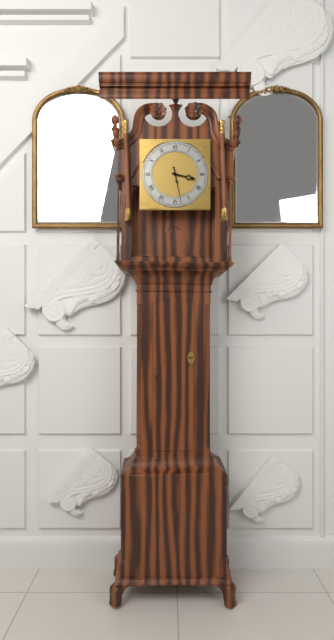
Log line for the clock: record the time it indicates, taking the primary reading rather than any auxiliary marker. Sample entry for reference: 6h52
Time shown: 3h28
